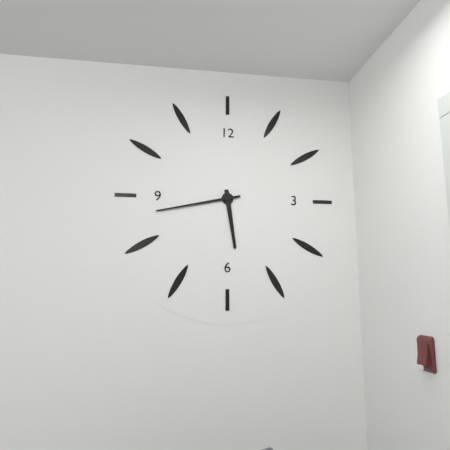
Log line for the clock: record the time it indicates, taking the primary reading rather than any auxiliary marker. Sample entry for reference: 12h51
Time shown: 5h43
